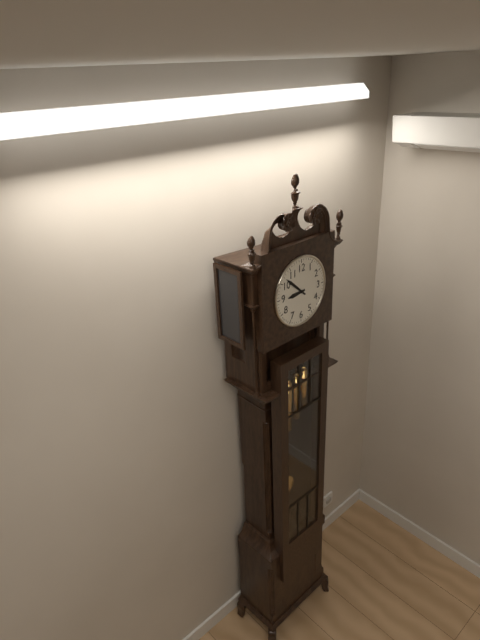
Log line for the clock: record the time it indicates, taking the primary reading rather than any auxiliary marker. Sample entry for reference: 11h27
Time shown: 8h52
